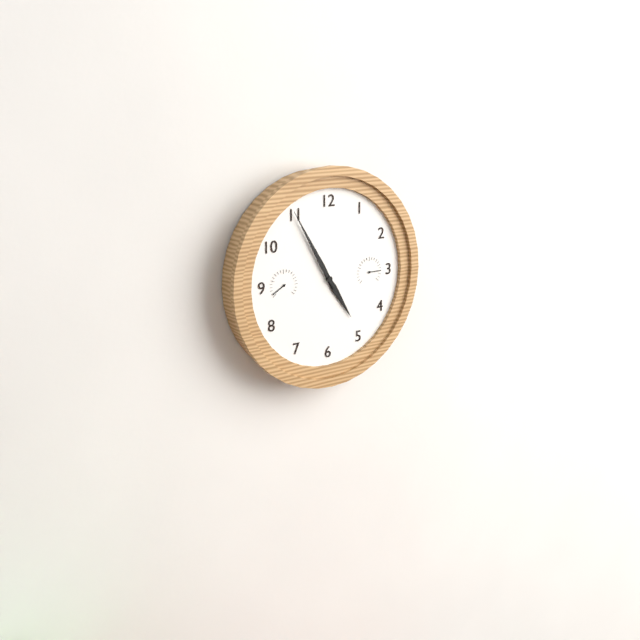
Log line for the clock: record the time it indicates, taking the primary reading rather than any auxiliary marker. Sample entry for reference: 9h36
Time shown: 4h55
